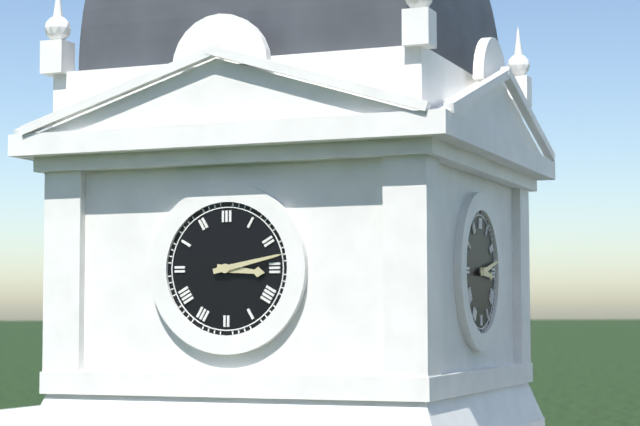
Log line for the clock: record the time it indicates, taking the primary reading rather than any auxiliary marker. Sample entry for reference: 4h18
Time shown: 3h13
